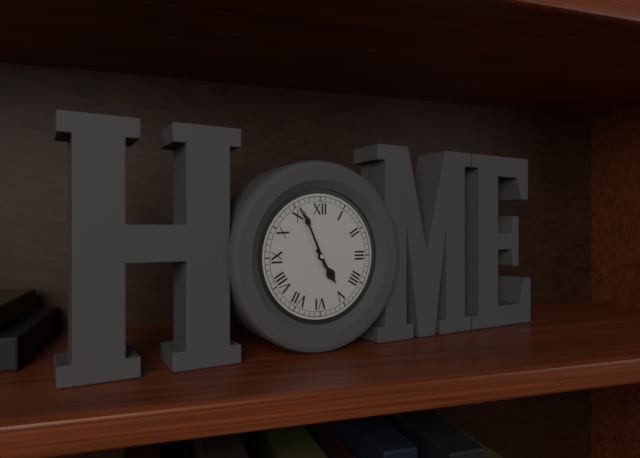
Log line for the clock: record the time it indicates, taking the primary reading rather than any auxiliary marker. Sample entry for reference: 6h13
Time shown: 4h56
